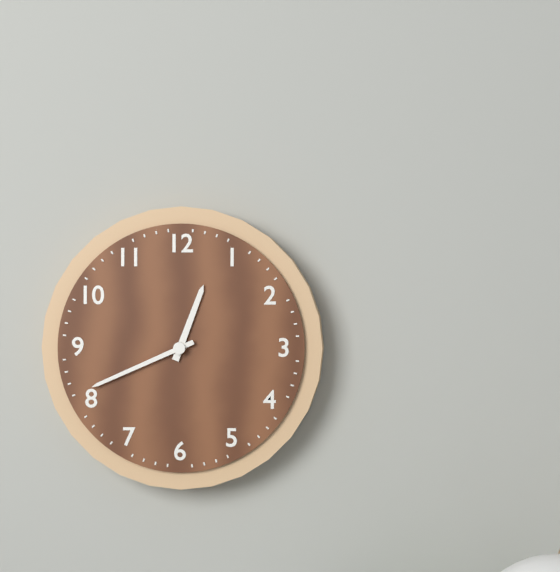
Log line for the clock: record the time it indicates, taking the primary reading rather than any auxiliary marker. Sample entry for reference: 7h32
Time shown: 12h41
